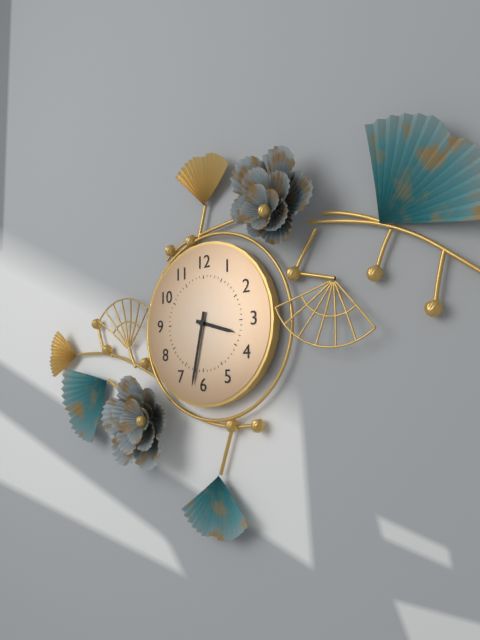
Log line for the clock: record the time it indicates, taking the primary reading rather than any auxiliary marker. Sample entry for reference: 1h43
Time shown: 3h32
